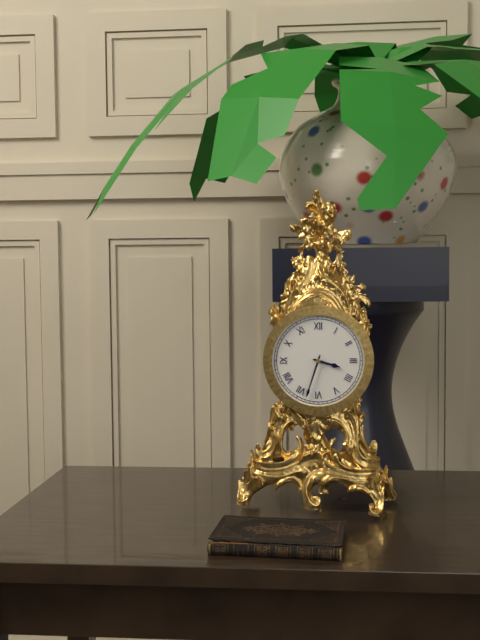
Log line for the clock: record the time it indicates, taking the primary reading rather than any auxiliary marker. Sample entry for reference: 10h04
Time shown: 3h33
